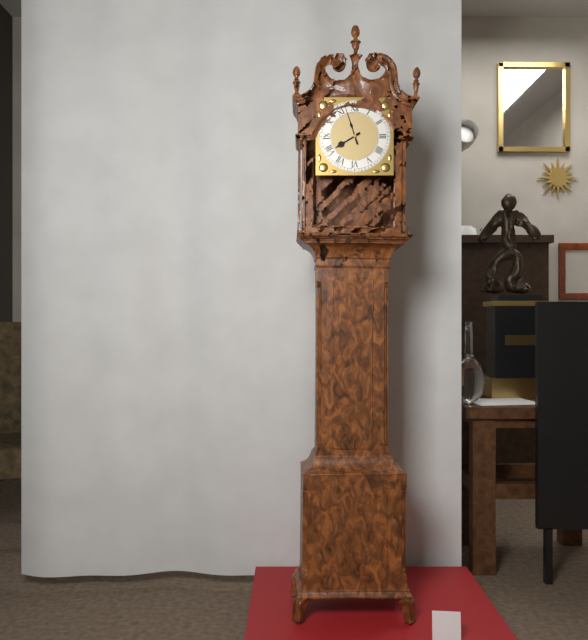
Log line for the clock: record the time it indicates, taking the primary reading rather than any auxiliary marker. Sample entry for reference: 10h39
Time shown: 7h57
